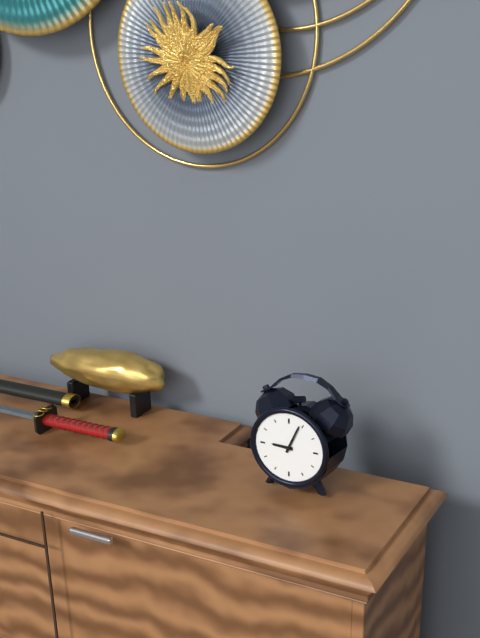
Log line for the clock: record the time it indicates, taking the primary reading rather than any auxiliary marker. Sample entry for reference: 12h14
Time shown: 9h04
